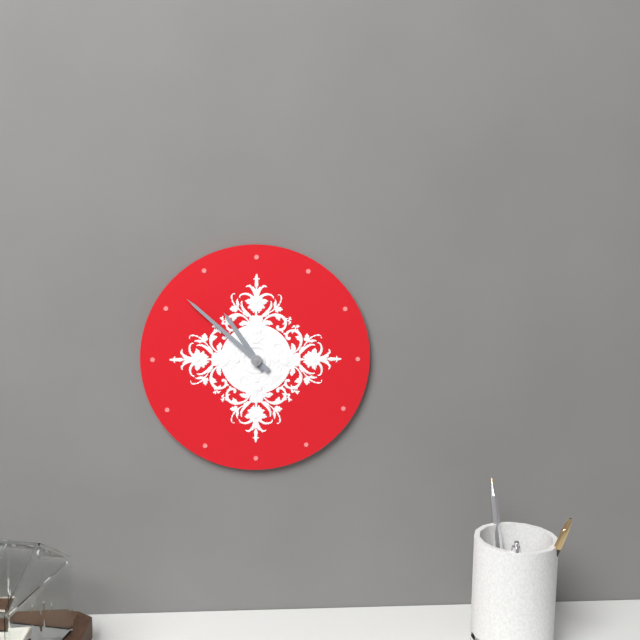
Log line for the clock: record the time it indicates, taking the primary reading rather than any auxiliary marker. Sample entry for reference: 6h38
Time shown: 10h52
